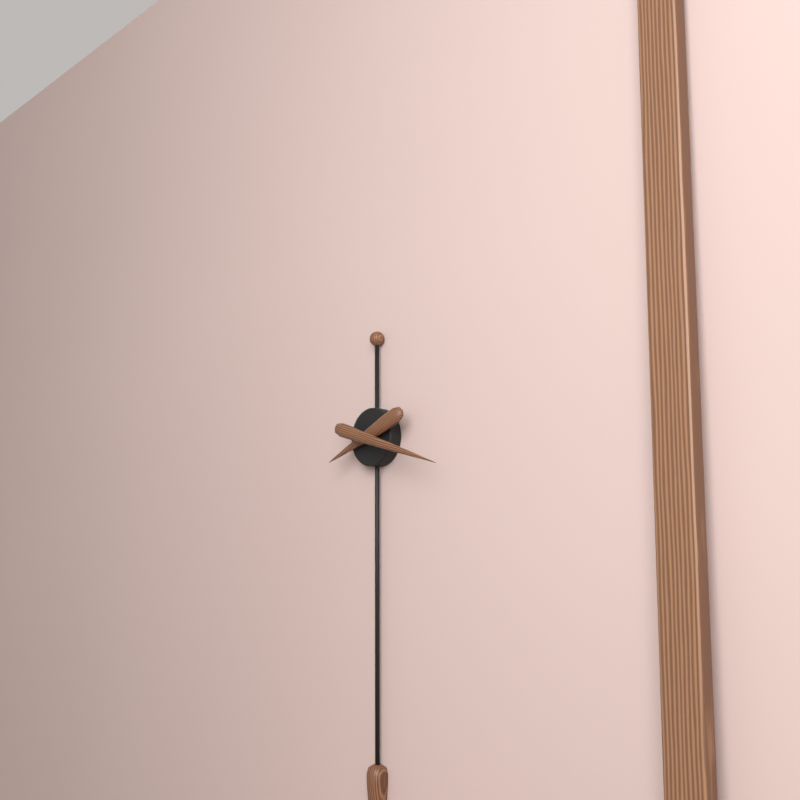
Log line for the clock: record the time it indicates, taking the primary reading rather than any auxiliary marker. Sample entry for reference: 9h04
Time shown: 8h18
